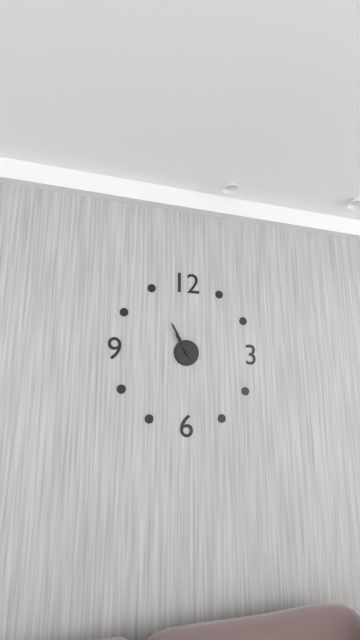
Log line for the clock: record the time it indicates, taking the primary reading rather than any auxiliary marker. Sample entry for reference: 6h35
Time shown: 10h55
